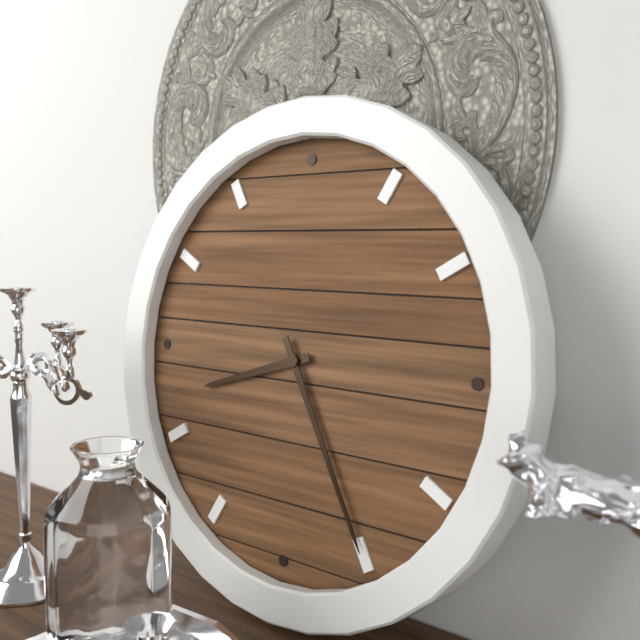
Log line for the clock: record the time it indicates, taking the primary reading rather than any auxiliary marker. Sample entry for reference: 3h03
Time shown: 8h25
